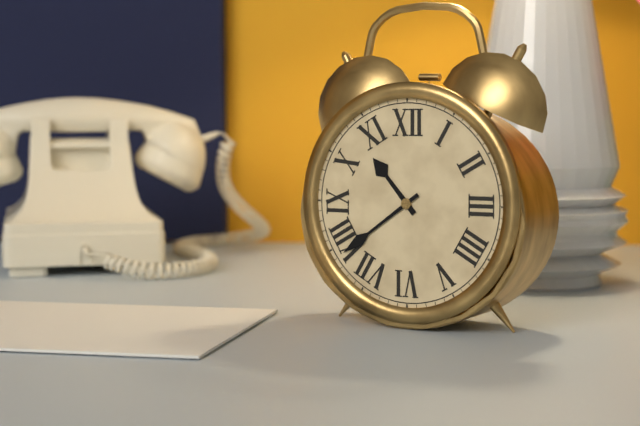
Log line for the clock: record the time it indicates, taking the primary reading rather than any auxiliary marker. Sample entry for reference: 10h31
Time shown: 10h39
